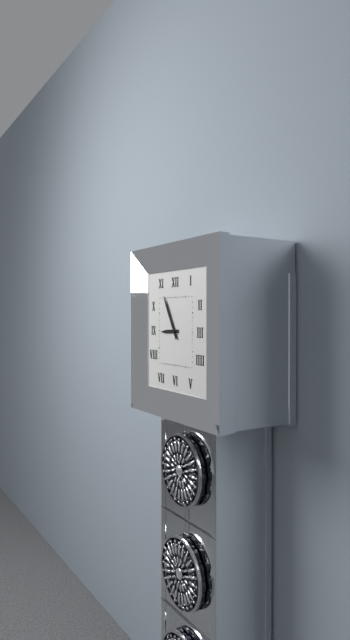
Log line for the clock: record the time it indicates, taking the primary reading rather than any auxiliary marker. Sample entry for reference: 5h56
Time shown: 8h55
